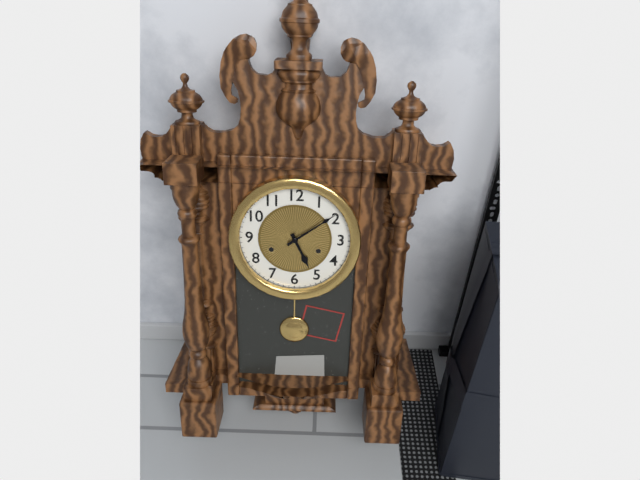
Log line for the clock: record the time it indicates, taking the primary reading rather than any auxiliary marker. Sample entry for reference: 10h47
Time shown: 5h09
